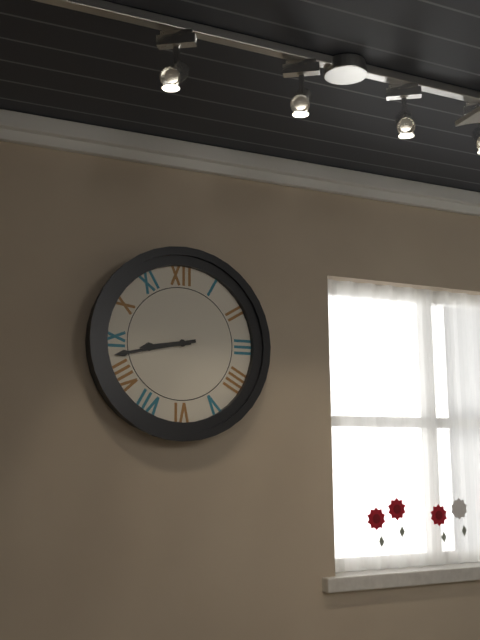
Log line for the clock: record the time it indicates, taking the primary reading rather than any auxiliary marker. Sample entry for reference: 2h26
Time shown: 8h43
